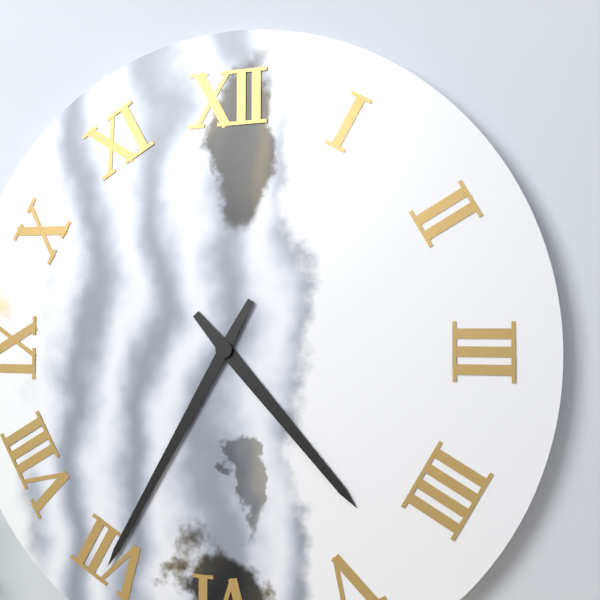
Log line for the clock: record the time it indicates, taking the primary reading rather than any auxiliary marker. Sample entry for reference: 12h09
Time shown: 4h35
